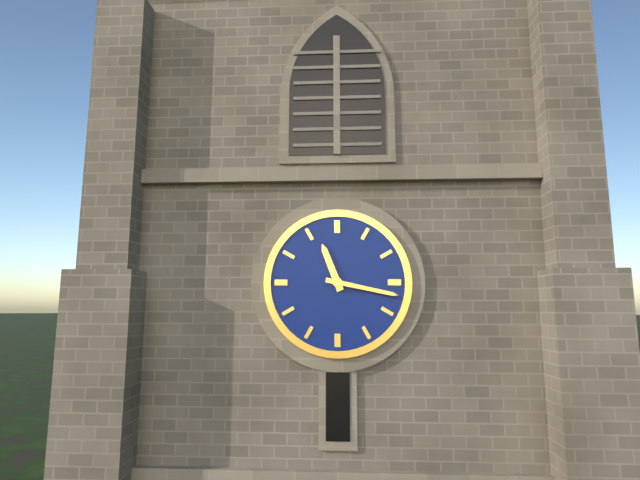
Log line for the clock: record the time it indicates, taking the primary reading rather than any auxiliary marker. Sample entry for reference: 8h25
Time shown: 11h17
